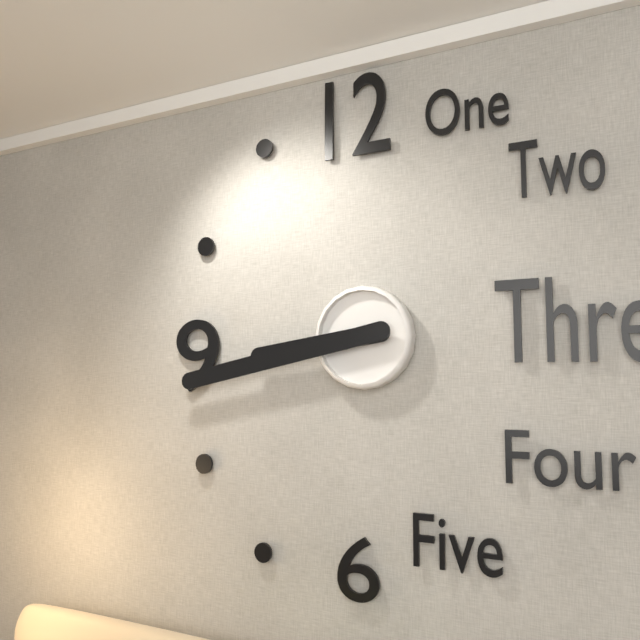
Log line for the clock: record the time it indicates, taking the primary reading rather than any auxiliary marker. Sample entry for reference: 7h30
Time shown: 8h43
